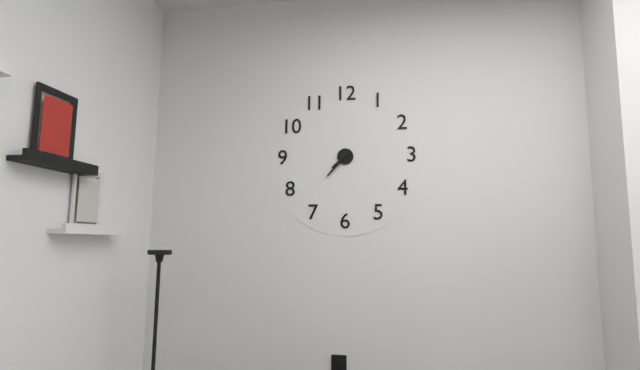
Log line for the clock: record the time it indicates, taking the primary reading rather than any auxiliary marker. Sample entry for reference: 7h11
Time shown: 7h37
